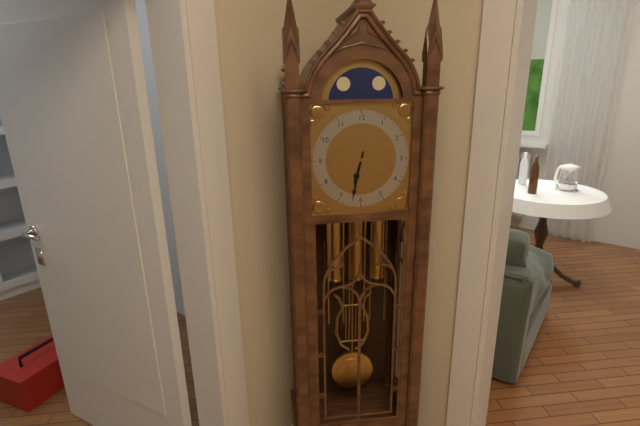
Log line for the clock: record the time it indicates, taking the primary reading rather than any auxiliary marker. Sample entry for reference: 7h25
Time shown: 6h32
